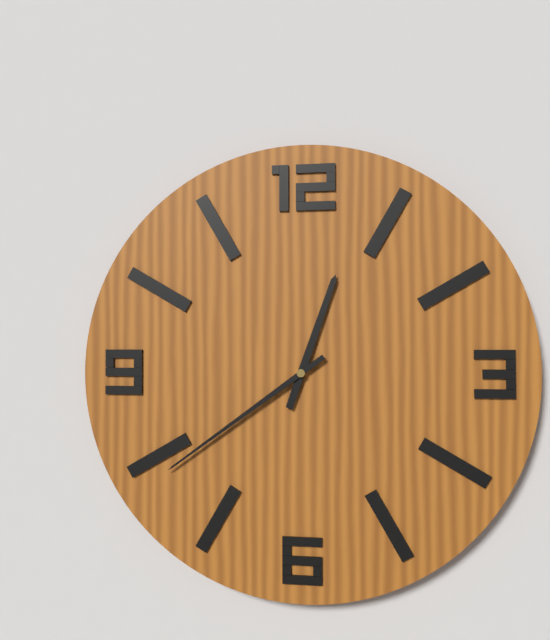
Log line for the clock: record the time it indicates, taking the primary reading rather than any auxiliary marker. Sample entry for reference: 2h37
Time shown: 12h39
